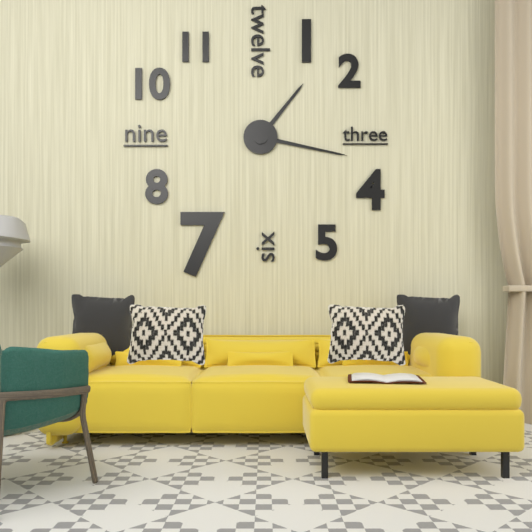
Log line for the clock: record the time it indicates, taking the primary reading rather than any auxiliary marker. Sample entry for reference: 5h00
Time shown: 1h17
